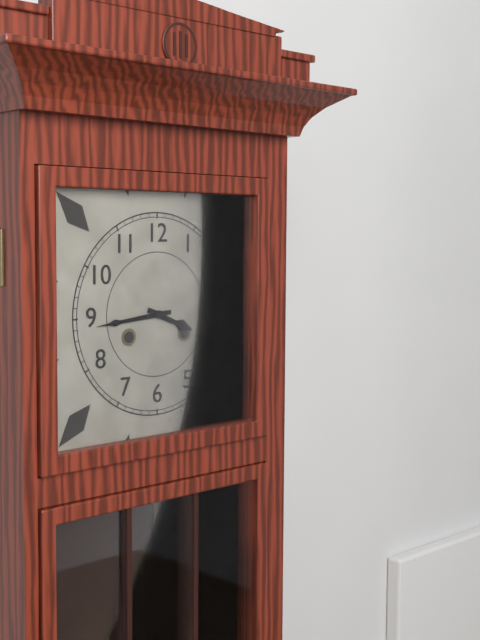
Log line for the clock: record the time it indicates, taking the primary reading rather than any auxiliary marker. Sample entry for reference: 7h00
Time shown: 3h44
